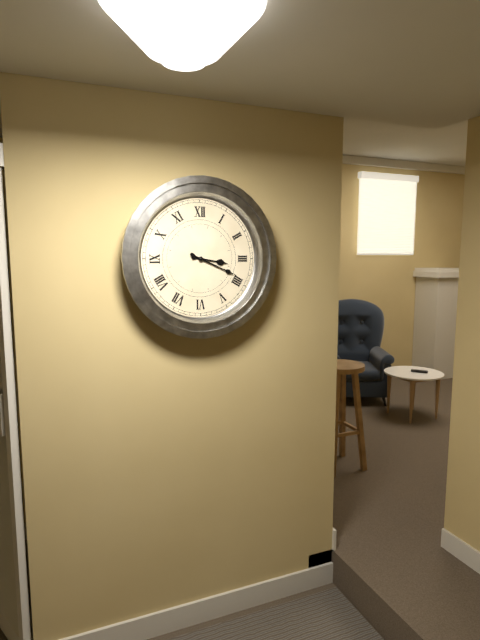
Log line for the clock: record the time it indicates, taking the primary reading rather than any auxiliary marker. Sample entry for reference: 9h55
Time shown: 3h19
